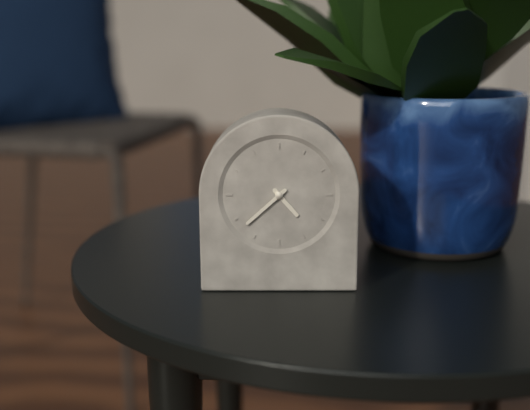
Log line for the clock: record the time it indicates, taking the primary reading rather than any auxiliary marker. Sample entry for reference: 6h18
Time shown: 4h38
